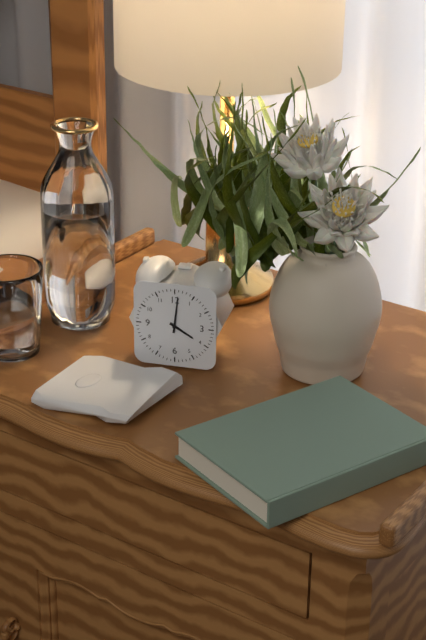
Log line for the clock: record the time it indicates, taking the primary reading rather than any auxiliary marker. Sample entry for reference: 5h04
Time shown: 4h01
